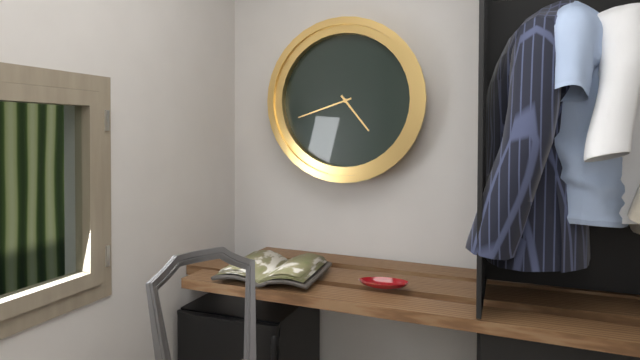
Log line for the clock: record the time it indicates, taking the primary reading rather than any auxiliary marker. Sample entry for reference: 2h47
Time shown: 4h42
